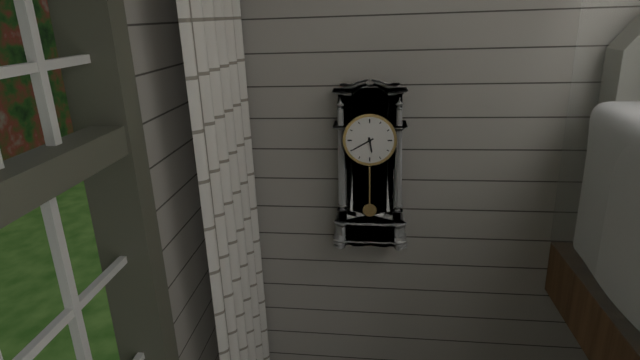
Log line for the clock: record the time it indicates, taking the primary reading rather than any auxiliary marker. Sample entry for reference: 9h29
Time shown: 5h40
